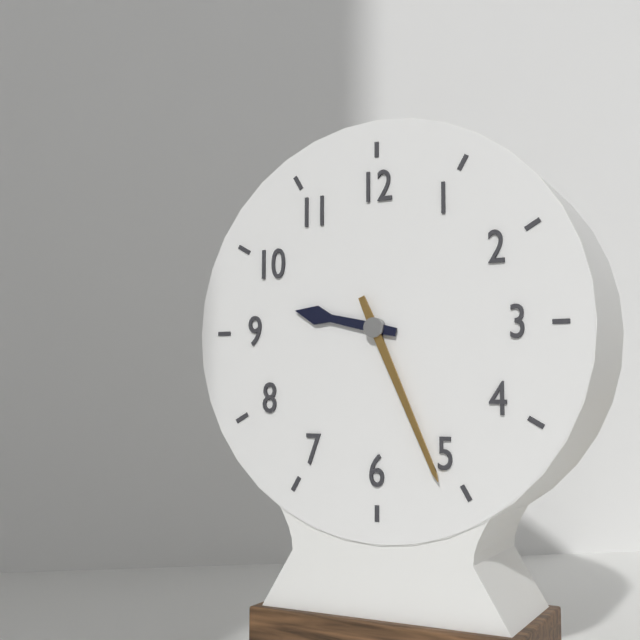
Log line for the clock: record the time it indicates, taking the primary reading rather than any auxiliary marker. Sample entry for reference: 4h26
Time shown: 9h26
